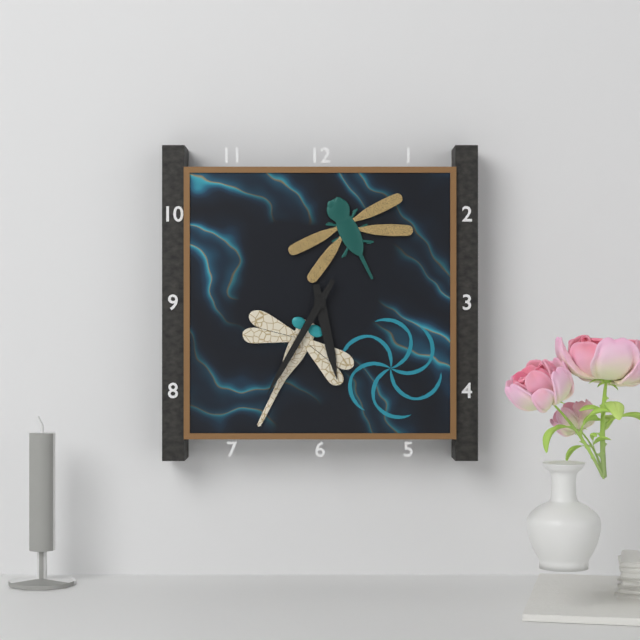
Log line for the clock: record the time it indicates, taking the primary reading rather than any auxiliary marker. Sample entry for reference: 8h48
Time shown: 5h35
